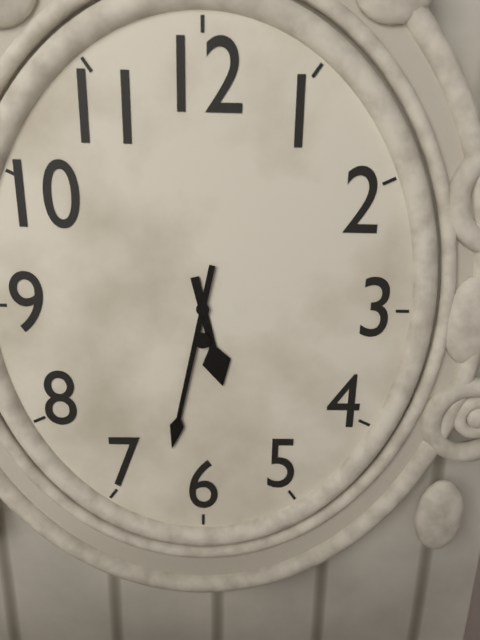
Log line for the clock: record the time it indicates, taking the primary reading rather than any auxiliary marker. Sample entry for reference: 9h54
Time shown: 5h32
